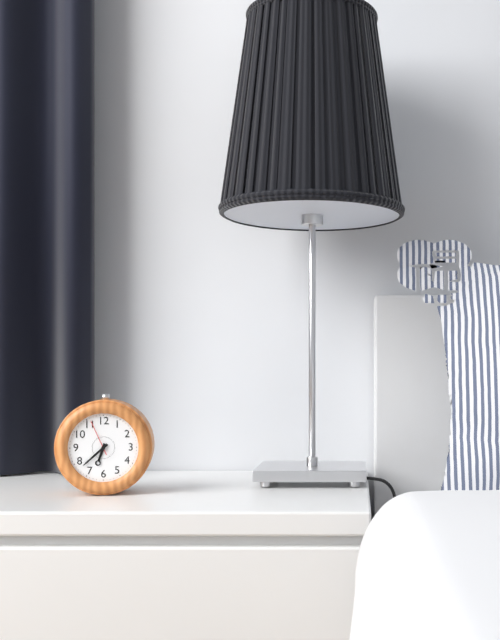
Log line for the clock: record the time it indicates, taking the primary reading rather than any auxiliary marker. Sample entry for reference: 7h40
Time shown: 6h38
